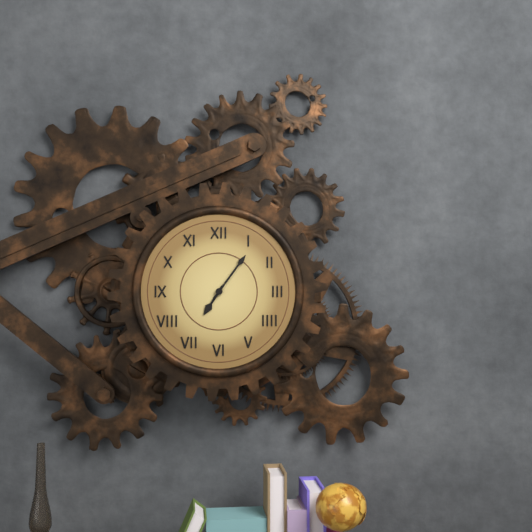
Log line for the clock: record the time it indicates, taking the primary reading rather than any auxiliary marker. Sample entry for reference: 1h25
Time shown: 7h06
